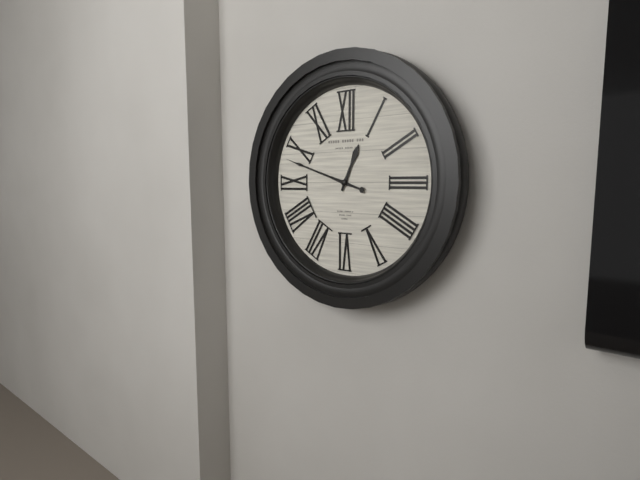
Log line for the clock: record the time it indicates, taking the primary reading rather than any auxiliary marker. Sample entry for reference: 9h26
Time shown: 12h48
